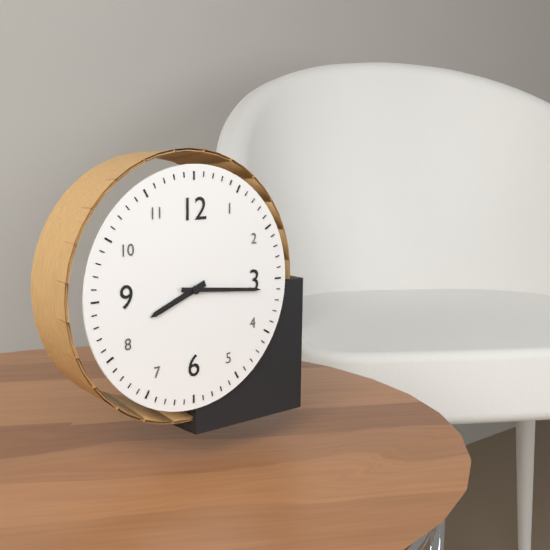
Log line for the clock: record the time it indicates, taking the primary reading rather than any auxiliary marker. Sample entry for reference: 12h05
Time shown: 8h16
